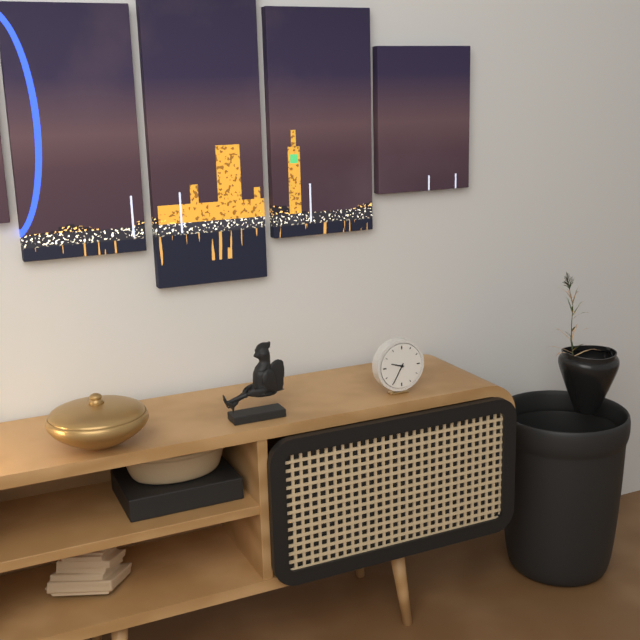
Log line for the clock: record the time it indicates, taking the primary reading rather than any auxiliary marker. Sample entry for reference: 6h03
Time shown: 9h35
